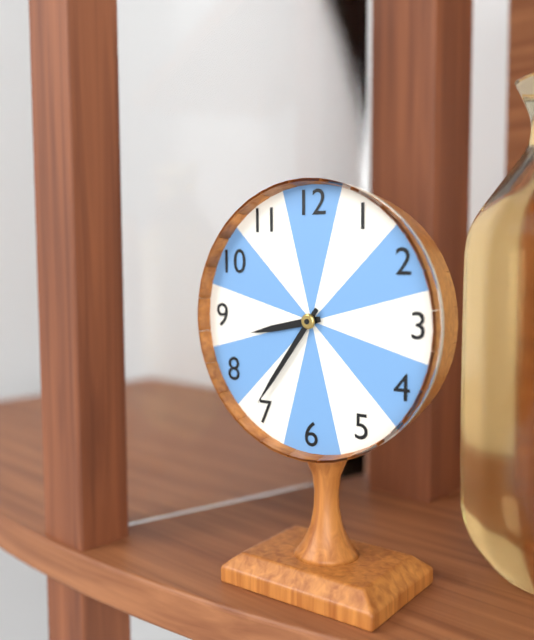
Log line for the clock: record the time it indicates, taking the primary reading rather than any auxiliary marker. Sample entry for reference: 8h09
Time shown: 8h36
